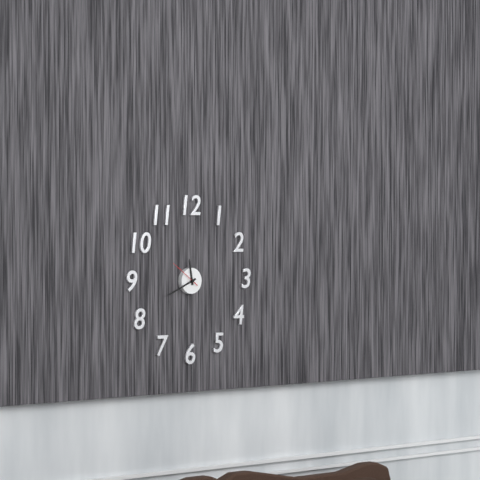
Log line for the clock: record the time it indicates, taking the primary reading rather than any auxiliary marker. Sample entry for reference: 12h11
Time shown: 11h41
